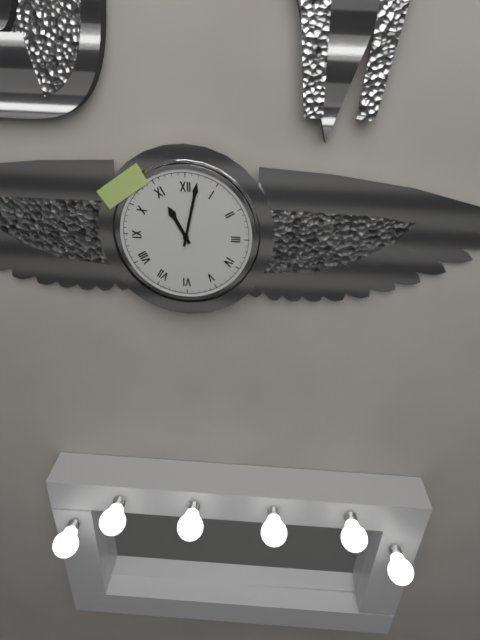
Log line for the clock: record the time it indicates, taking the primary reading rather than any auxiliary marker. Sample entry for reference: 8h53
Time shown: 11h02
